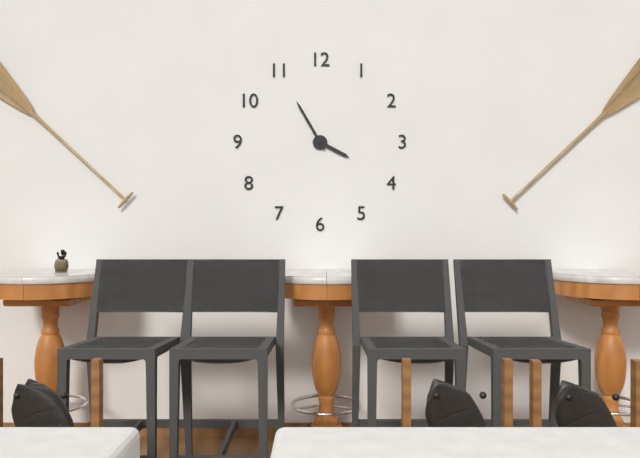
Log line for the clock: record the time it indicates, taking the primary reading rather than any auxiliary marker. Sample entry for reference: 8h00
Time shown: 3h55
